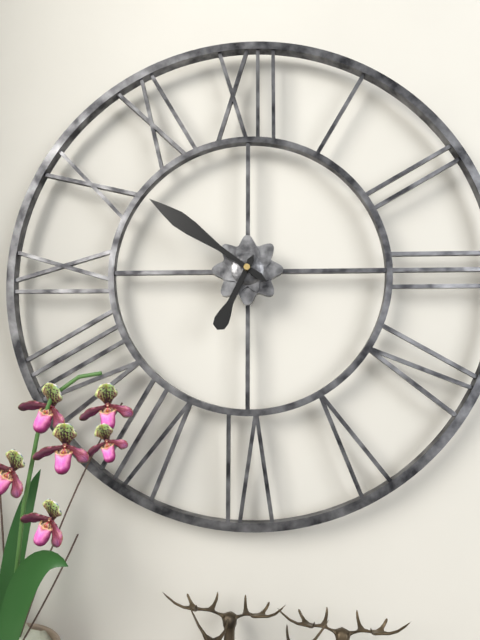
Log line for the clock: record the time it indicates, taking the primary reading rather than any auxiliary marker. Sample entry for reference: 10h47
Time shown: 6h51
